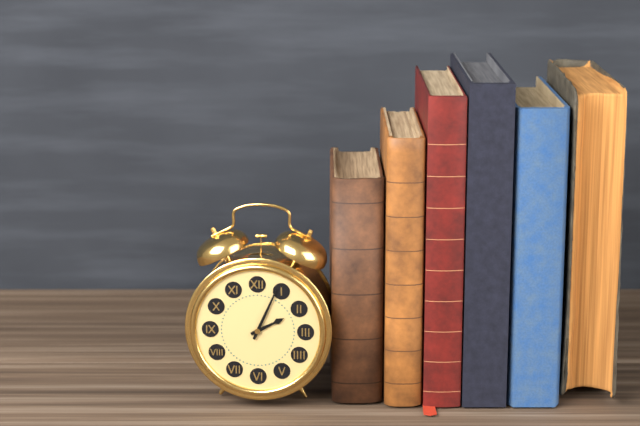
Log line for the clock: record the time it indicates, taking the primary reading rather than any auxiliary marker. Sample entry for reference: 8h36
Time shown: 2h04
